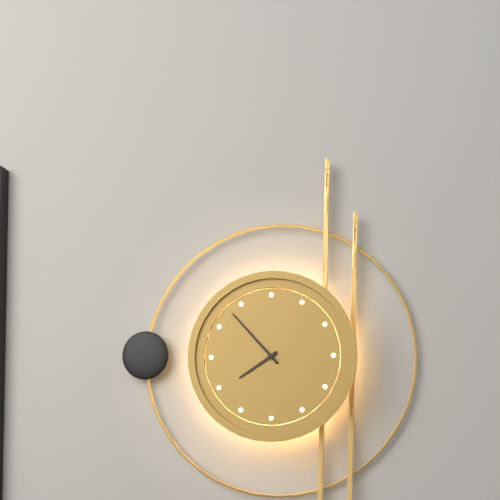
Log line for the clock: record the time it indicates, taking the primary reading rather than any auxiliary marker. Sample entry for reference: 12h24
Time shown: 7h53
